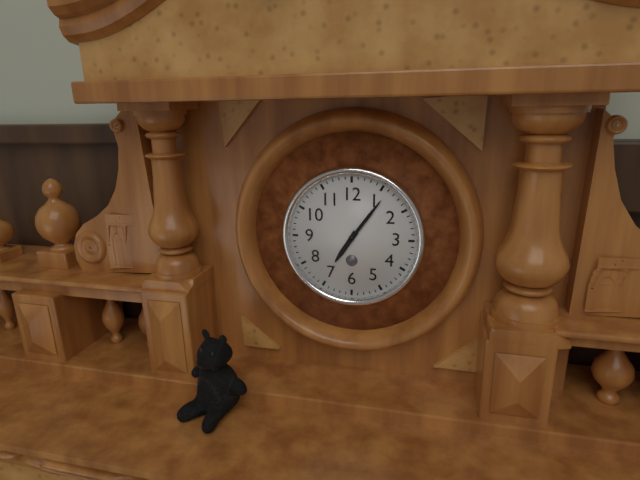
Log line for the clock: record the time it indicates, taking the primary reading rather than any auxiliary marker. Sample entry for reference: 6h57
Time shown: 7h06
